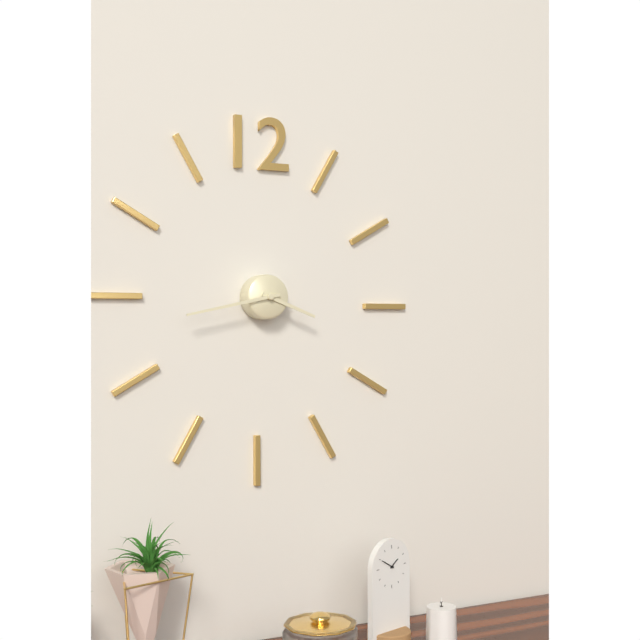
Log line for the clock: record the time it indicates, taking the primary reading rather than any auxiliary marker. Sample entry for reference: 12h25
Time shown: 3h43
